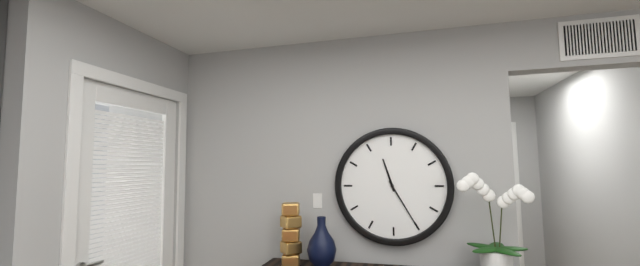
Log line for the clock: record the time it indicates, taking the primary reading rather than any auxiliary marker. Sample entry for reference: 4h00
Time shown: 11h25
